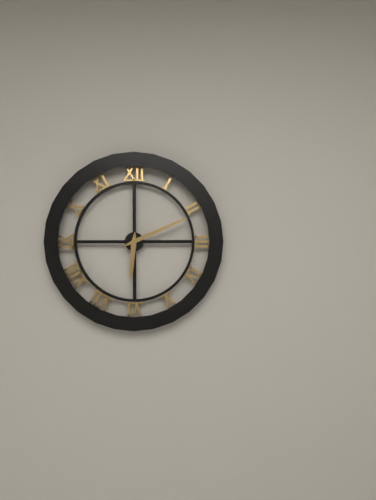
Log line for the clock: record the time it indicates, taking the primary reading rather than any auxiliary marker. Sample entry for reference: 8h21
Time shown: 6h11
